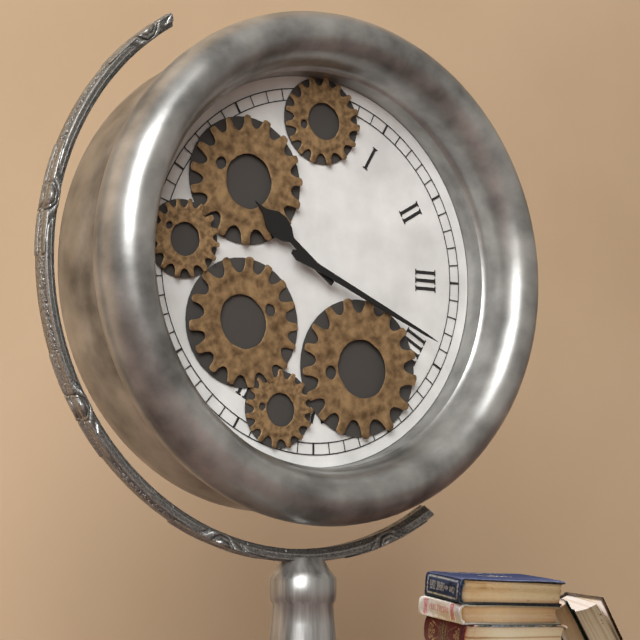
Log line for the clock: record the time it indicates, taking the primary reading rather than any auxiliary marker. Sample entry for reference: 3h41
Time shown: 10h19
